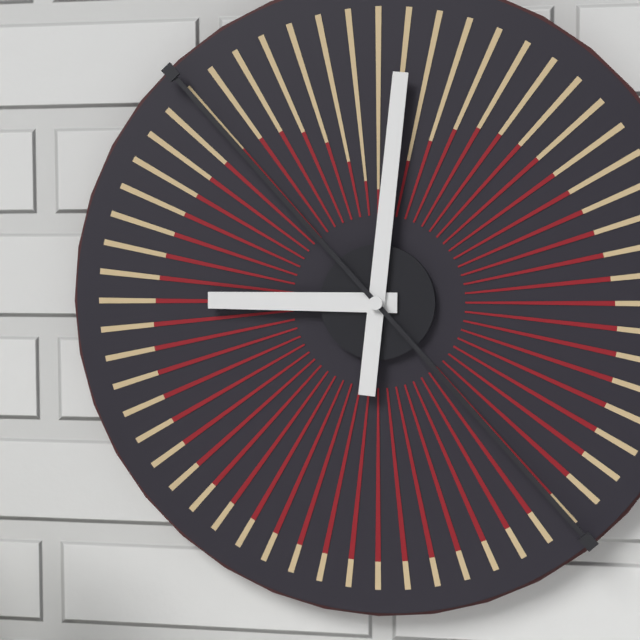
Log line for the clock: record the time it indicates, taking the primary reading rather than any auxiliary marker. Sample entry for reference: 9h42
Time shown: 9h01
